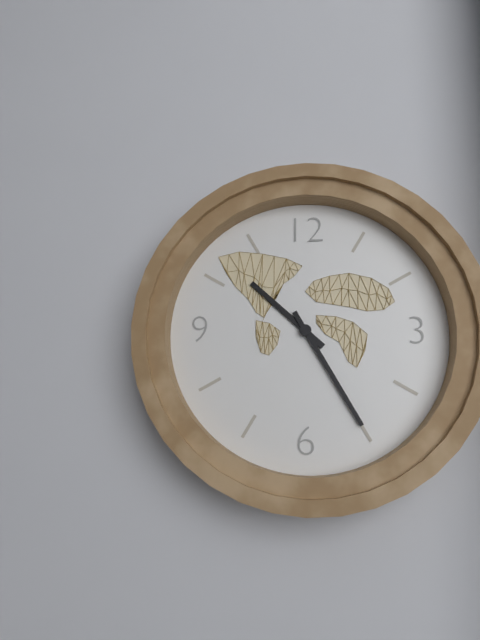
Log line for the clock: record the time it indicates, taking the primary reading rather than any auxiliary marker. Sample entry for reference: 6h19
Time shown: 10h25
